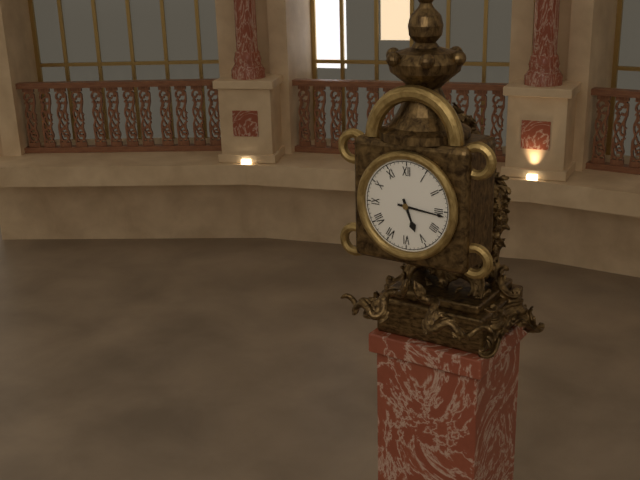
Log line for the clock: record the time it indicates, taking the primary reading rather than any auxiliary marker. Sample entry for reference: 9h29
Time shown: 5h16
